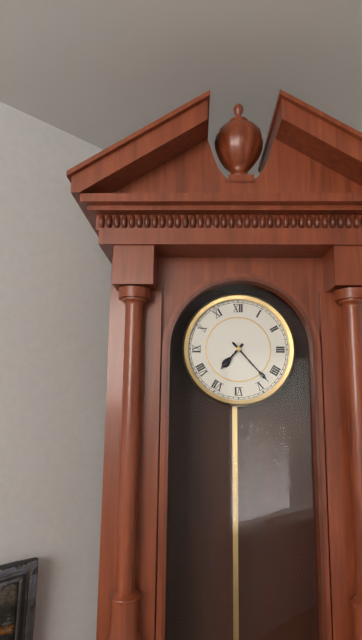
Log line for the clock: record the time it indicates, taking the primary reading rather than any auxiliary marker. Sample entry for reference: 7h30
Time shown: 7h23
